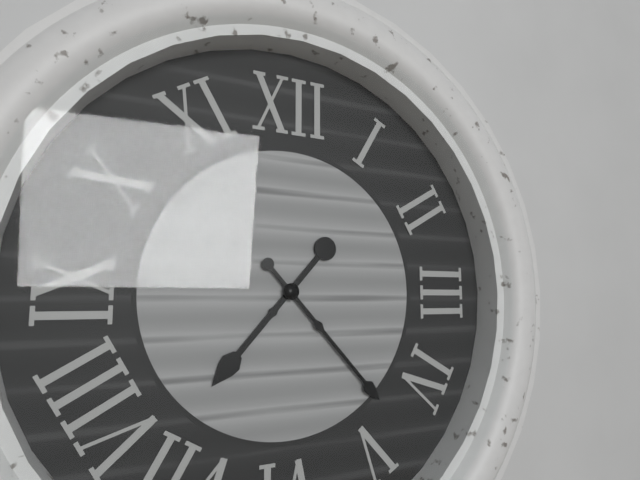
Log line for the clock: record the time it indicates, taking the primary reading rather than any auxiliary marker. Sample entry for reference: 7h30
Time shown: 7h23
